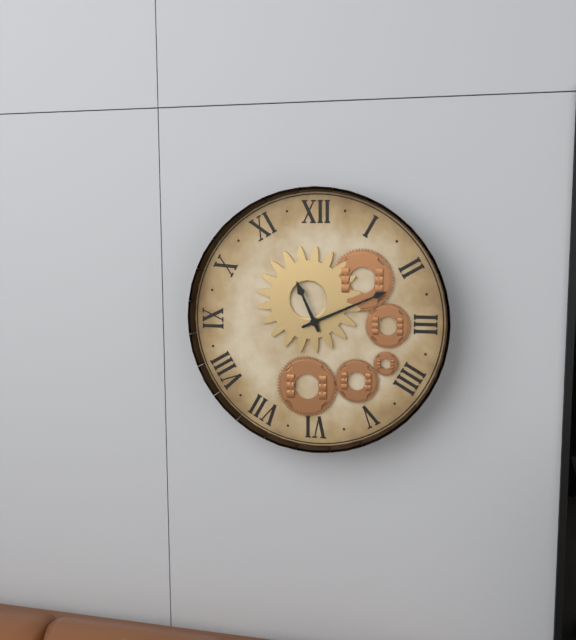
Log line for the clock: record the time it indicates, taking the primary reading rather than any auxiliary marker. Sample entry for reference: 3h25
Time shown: 11h11
